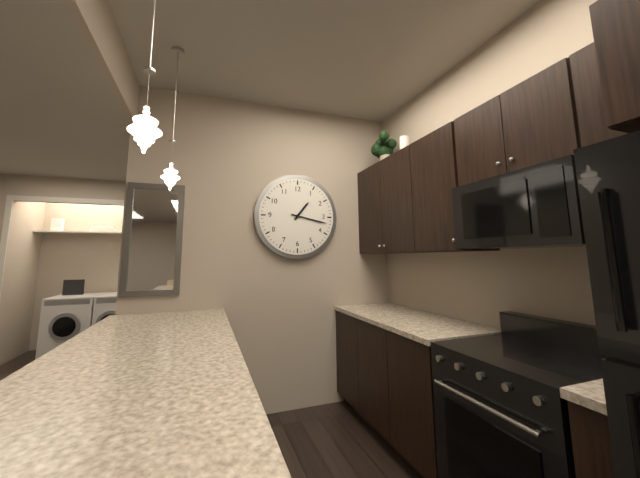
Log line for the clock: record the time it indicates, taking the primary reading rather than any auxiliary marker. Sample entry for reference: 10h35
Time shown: 1h17
